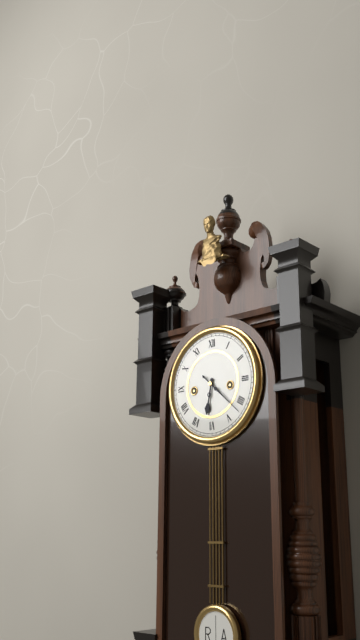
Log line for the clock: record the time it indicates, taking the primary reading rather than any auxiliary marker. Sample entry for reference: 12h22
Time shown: 6h22
